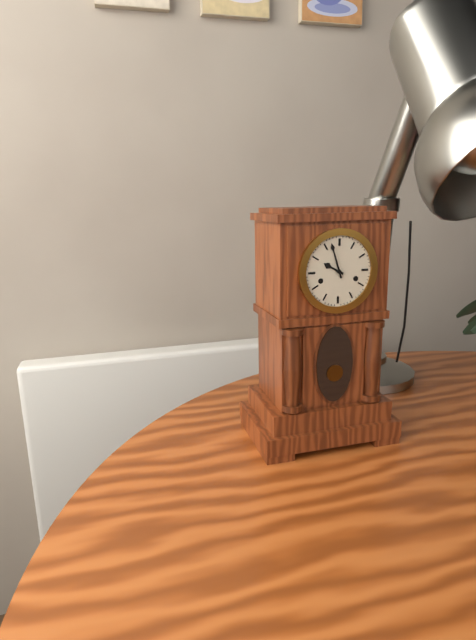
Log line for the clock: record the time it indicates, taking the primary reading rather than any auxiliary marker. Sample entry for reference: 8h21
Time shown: 9h57
